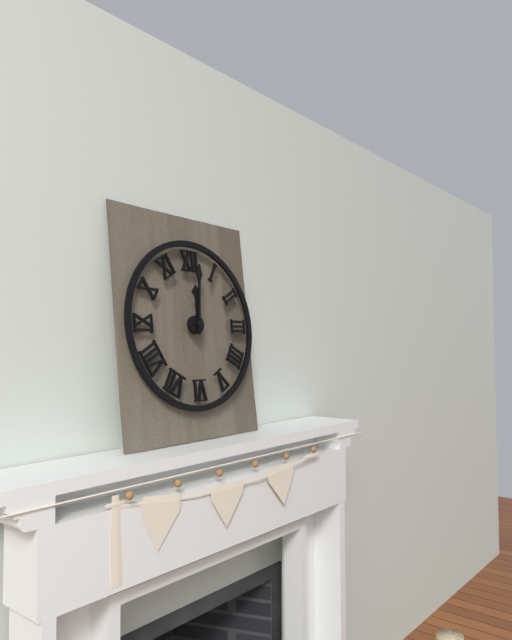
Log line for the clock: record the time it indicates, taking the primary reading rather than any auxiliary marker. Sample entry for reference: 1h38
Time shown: 12h01
